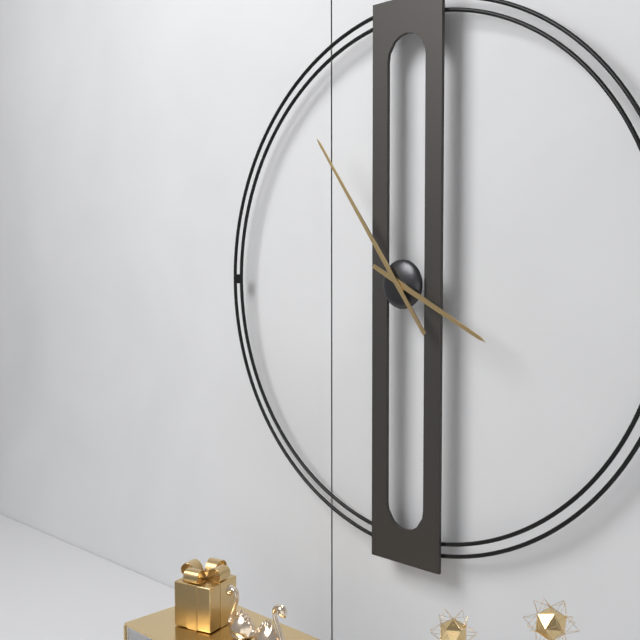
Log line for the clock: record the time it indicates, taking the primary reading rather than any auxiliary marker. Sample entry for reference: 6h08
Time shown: 3h54
